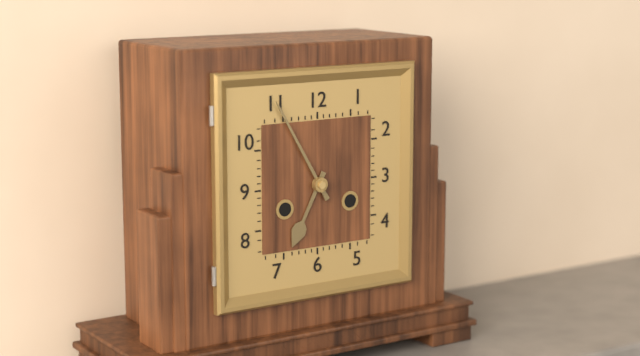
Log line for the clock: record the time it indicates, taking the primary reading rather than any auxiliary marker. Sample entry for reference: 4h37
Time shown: 6h55
